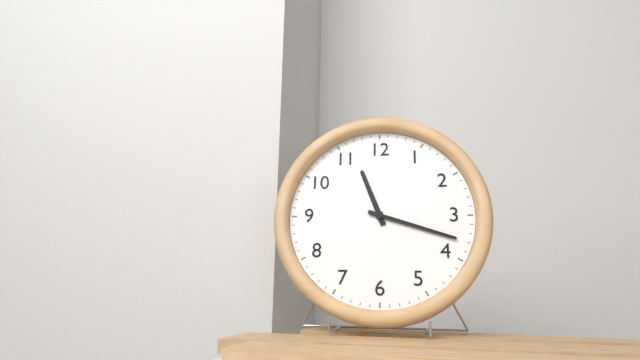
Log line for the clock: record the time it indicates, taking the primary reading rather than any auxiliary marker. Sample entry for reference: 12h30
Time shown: 11h18
